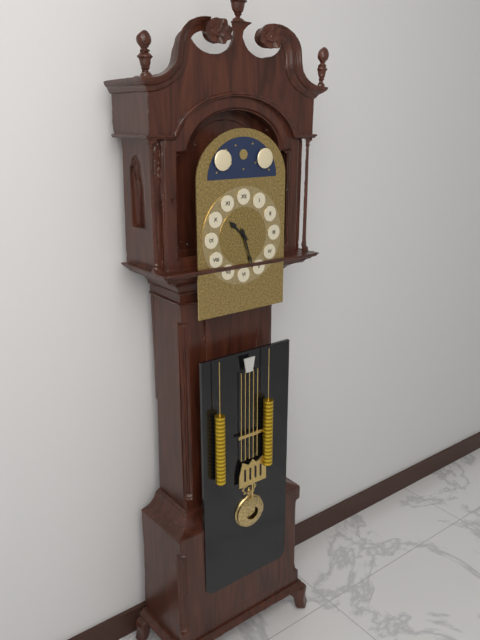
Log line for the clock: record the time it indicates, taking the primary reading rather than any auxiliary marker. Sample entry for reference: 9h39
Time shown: 10h27
